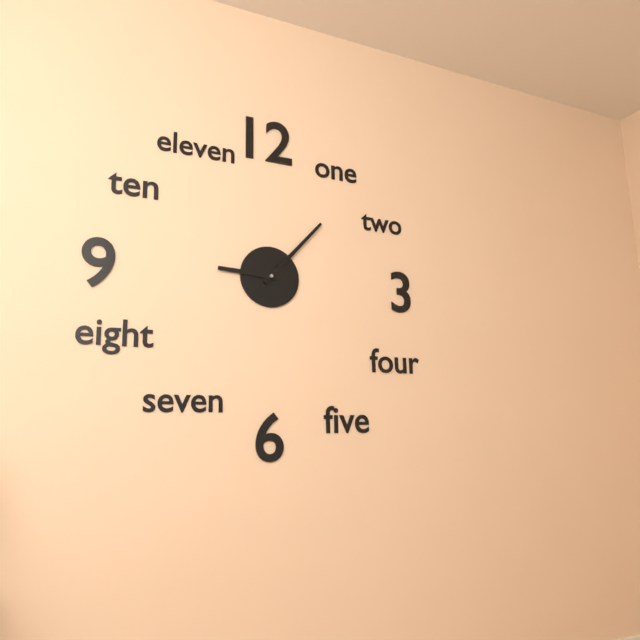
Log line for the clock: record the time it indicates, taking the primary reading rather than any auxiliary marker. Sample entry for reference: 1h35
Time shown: 9h07
